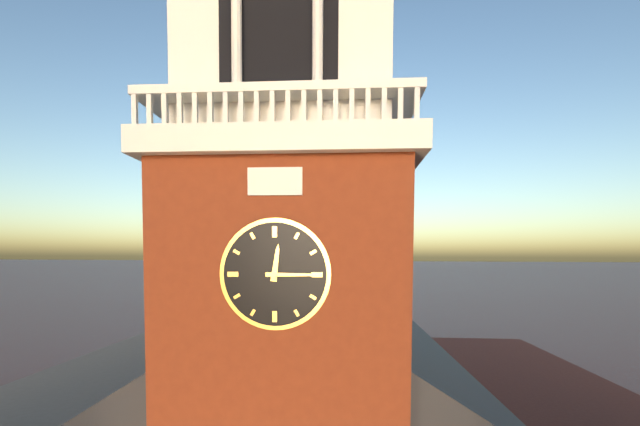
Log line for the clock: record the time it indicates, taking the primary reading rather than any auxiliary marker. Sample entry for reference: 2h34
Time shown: 12h15
